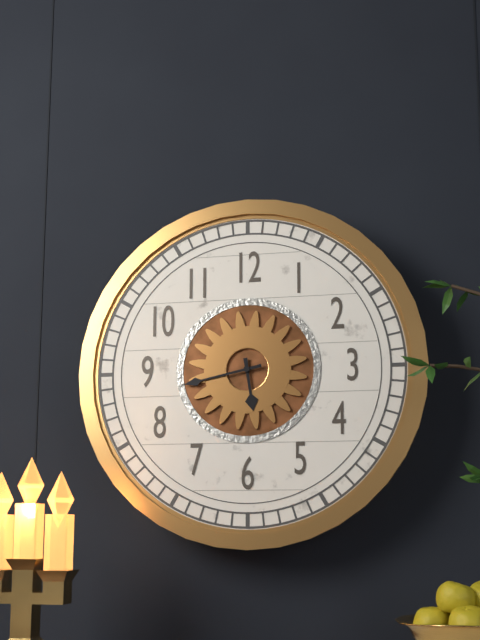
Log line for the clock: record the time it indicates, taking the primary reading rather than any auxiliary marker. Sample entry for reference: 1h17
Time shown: 5h43
